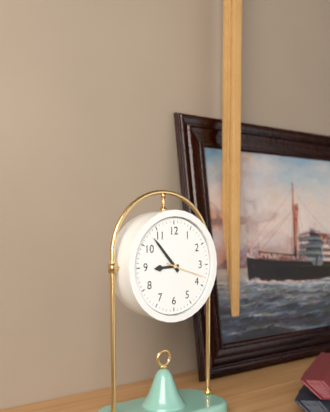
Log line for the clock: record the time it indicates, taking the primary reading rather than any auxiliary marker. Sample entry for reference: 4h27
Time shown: 8h53
